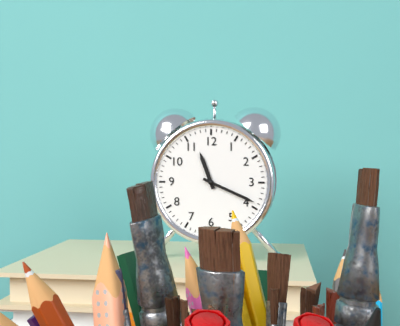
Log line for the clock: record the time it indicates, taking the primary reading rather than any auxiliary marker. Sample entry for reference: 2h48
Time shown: 11h19
